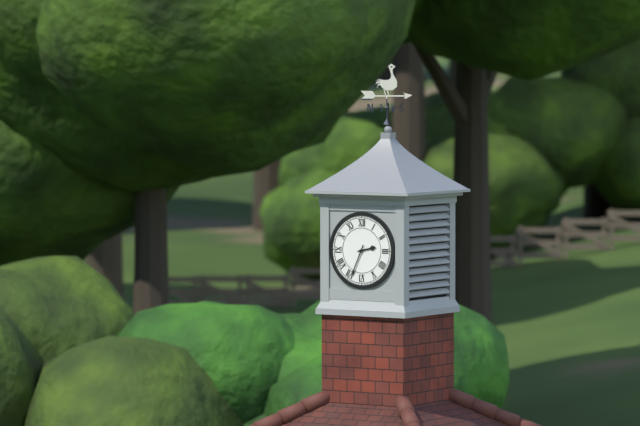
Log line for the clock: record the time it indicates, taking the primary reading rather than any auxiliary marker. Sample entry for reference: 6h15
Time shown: 2h34
